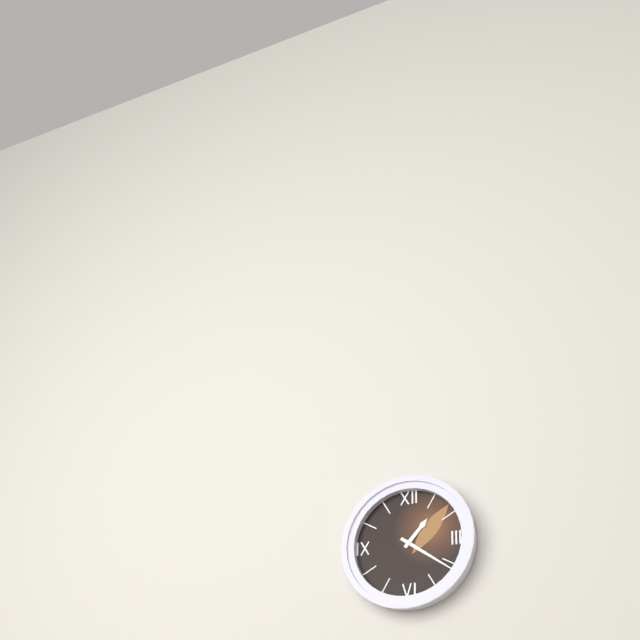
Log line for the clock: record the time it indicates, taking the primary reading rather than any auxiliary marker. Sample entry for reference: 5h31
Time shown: 1h21
